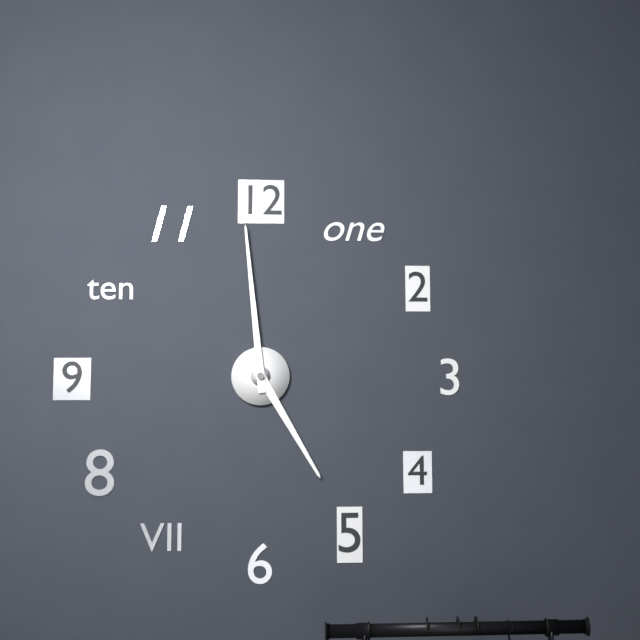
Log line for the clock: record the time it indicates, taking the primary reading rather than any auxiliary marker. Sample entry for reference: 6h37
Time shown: 4h59
